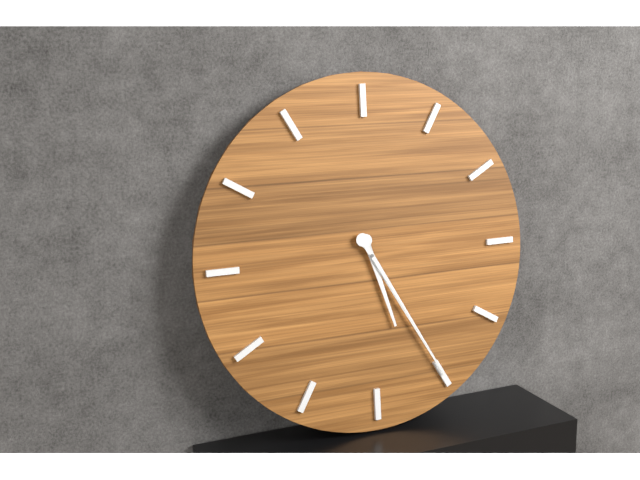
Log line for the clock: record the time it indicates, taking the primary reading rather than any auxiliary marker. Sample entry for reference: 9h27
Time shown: 5h25
